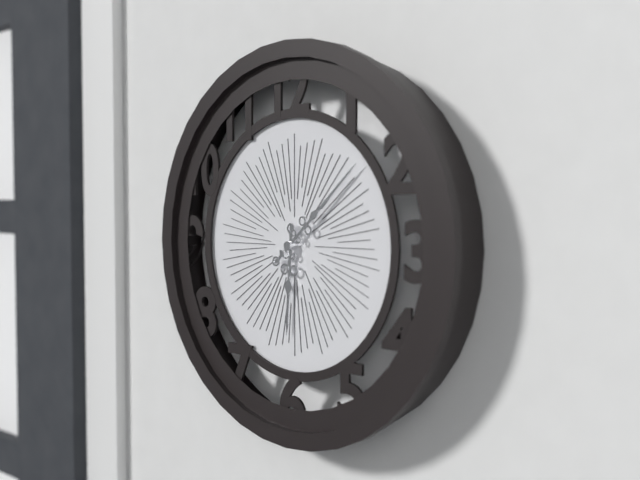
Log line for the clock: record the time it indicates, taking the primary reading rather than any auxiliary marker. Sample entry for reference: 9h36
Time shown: 6h08
